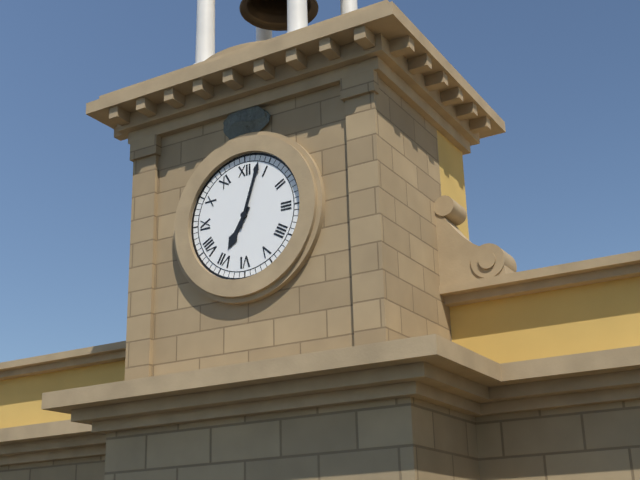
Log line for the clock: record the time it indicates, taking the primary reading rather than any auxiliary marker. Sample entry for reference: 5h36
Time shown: 7h03
